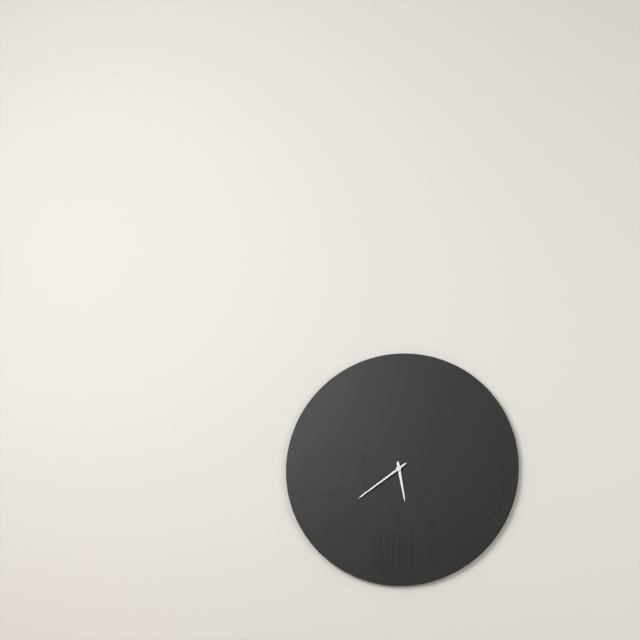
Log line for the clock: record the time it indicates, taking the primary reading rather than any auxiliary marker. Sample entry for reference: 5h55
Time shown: 5h39
